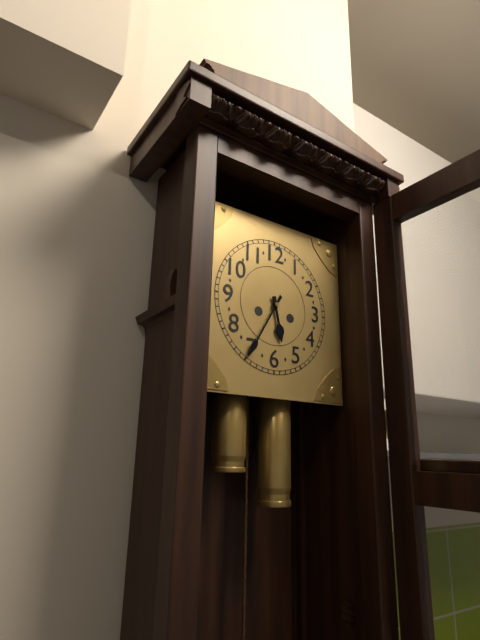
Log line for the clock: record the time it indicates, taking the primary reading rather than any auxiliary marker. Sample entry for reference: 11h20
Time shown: 5h35
